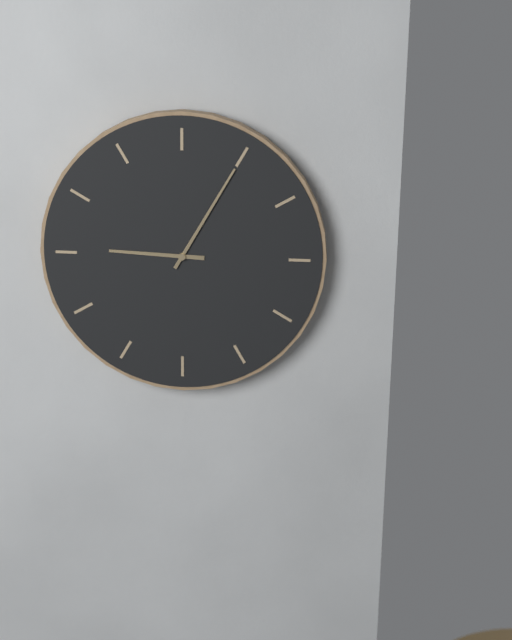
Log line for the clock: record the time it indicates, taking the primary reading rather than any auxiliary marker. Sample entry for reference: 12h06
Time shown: 9h05
